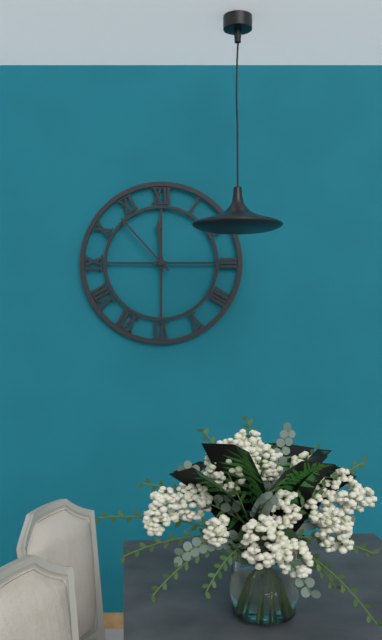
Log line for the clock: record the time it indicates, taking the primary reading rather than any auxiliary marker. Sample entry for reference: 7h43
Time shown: 11h53
